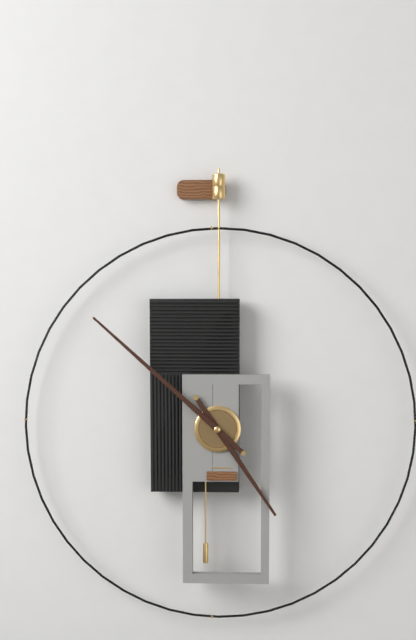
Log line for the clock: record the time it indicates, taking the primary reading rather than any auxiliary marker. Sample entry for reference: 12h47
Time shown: 4h52
